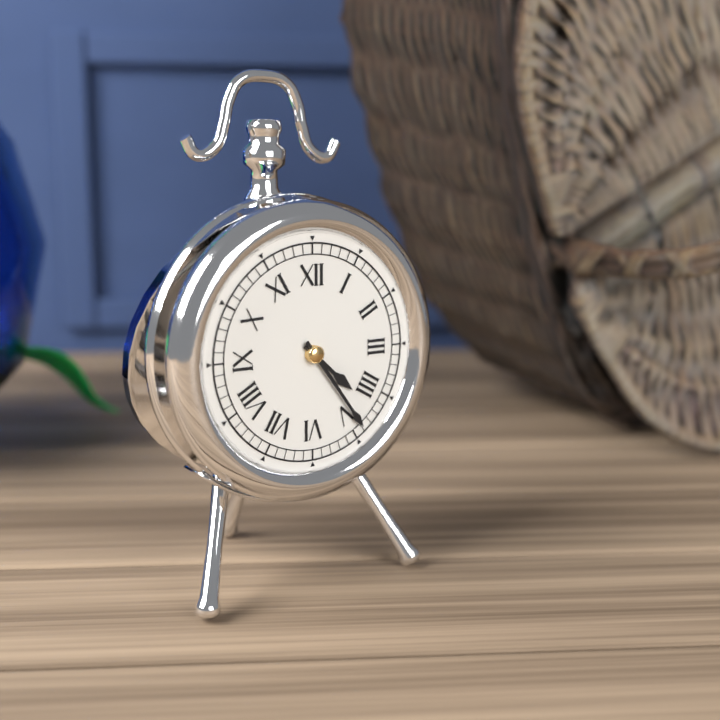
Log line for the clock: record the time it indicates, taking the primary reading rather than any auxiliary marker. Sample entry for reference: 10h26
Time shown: 4h24
